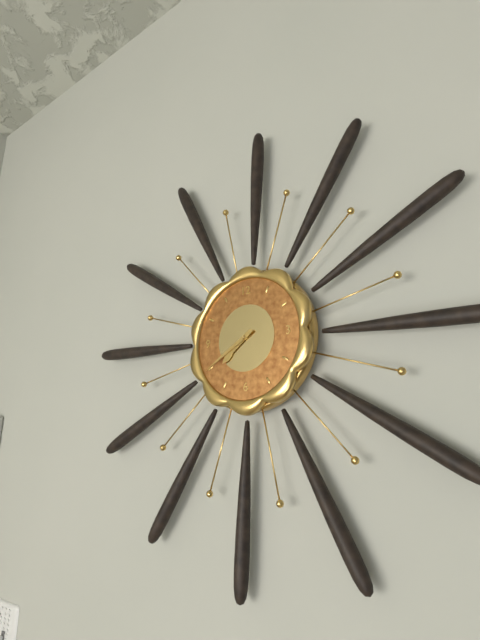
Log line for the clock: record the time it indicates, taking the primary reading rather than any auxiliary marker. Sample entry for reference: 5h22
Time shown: 7h40
